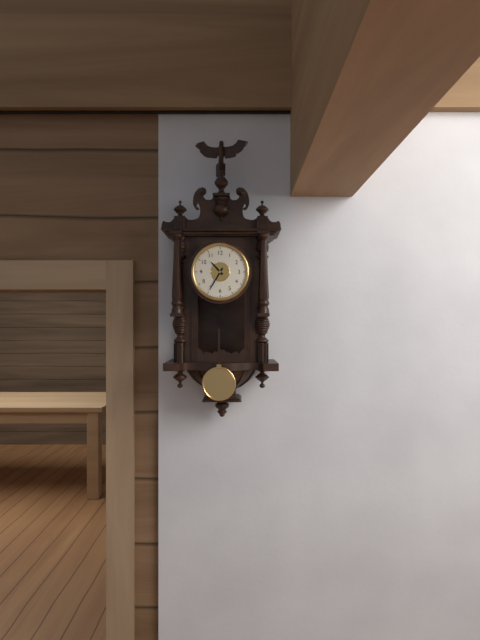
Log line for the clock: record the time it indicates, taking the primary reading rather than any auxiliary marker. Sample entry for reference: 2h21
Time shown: 10h35
